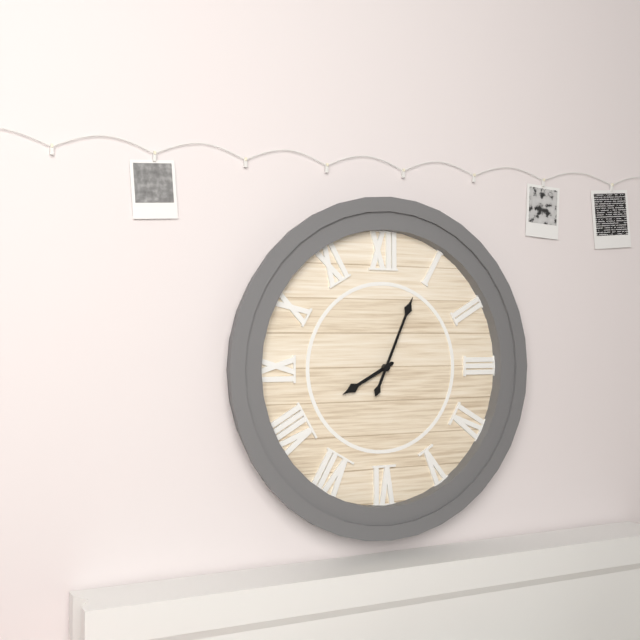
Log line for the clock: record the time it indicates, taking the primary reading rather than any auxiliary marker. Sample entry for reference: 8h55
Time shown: 8h04
